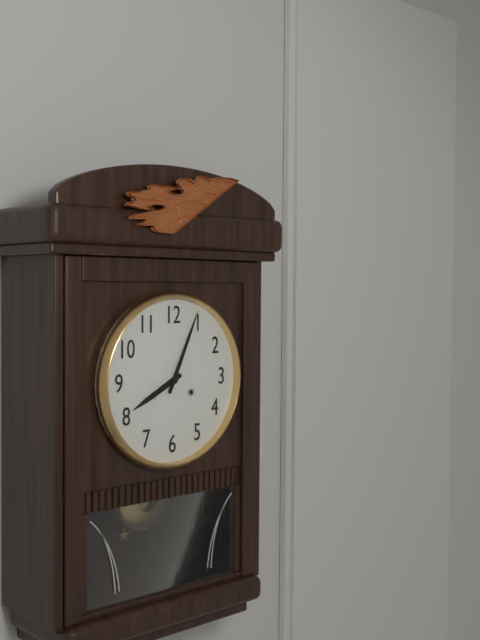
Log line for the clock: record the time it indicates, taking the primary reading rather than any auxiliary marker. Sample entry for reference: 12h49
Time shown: 8h04
